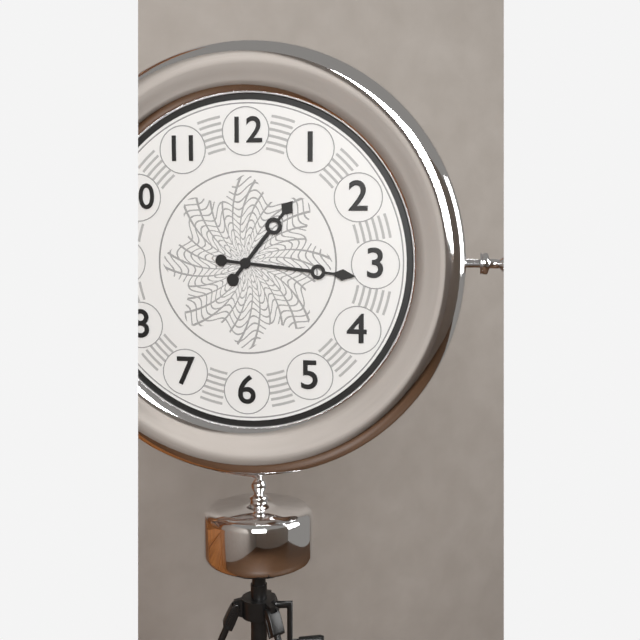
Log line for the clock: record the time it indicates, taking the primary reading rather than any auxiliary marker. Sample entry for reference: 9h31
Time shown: 1h16
